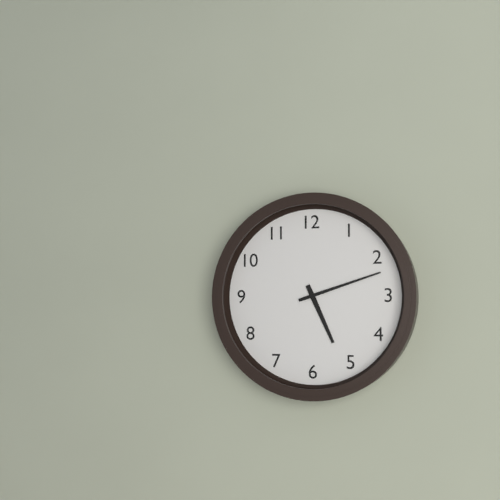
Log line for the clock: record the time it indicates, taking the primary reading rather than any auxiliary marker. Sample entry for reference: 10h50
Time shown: 5h12
